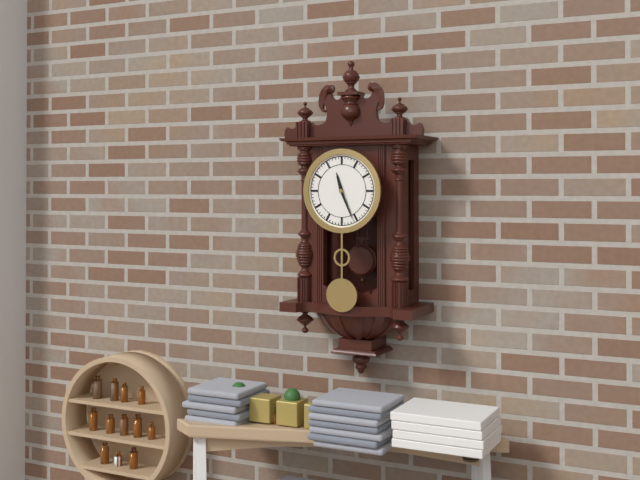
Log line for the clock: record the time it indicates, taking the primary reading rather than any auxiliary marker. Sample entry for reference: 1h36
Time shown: 11h26
